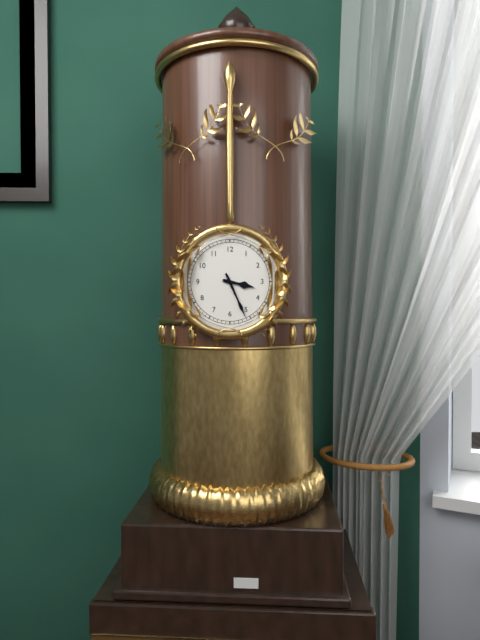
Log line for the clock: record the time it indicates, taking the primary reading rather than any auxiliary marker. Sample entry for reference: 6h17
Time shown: 3h26
